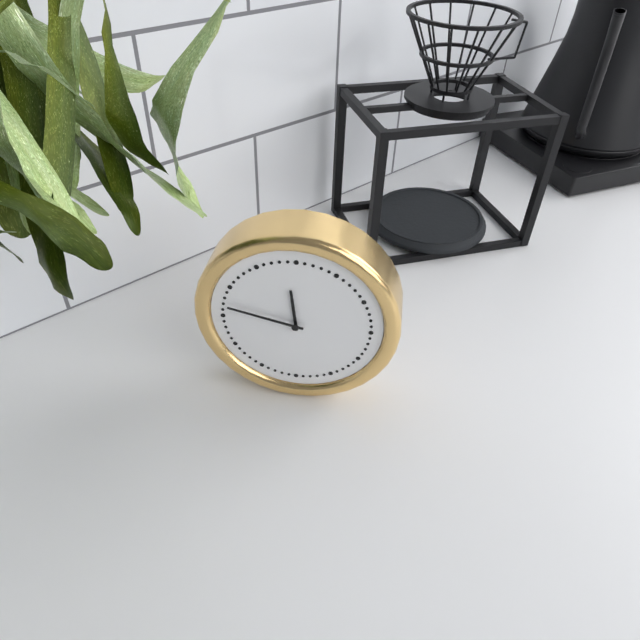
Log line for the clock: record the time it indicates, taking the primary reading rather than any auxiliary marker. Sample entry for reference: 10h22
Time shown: 11h47
